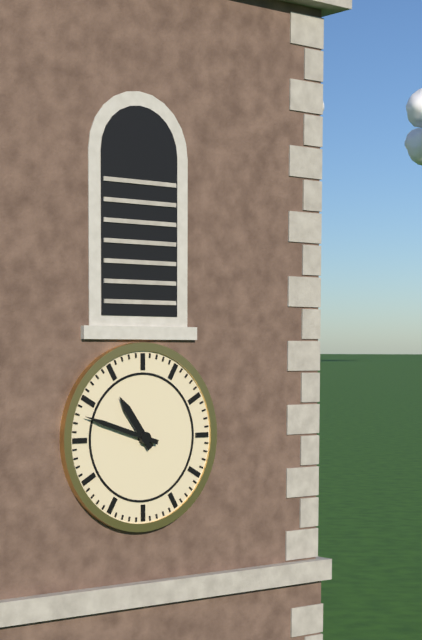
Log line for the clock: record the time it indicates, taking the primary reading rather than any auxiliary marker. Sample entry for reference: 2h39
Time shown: 10h48
